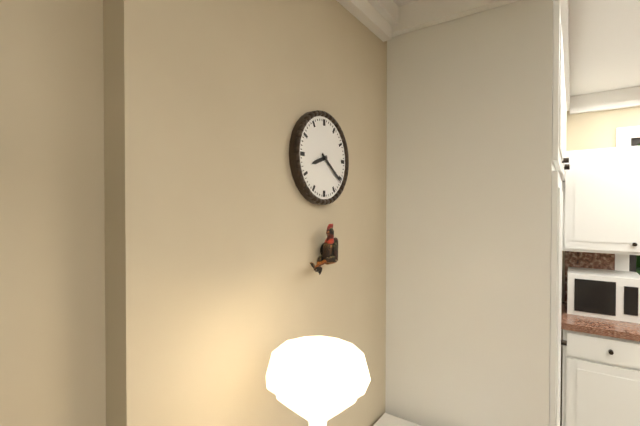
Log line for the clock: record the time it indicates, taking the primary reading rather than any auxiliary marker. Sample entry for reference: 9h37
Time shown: 8h21
